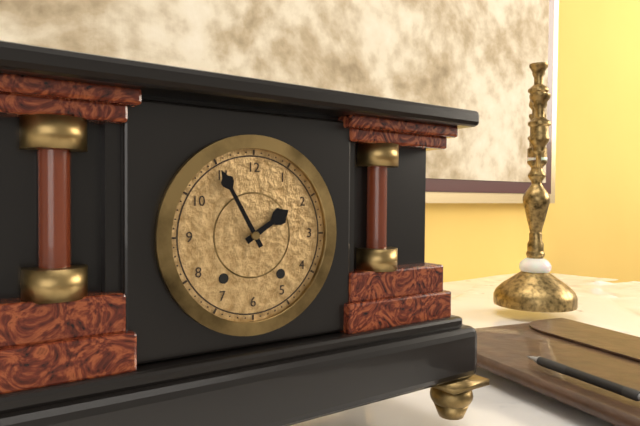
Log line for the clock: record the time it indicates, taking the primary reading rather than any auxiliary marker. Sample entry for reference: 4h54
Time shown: 1h55
